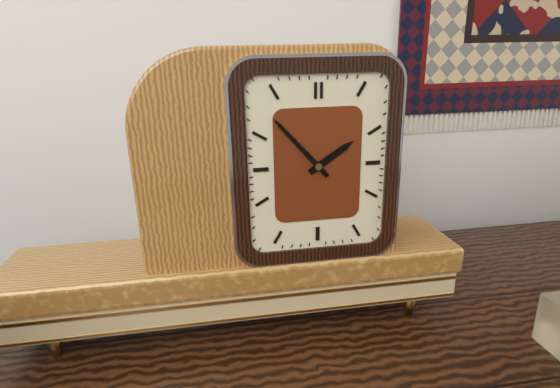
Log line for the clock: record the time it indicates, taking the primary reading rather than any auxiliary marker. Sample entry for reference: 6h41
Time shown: 1h53
